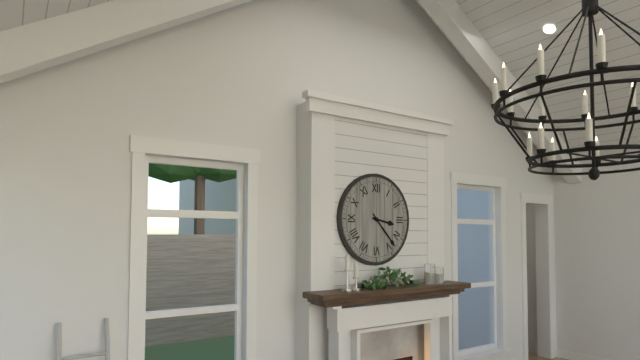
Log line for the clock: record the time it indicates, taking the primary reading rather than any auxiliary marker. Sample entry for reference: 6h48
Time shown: 3h23
